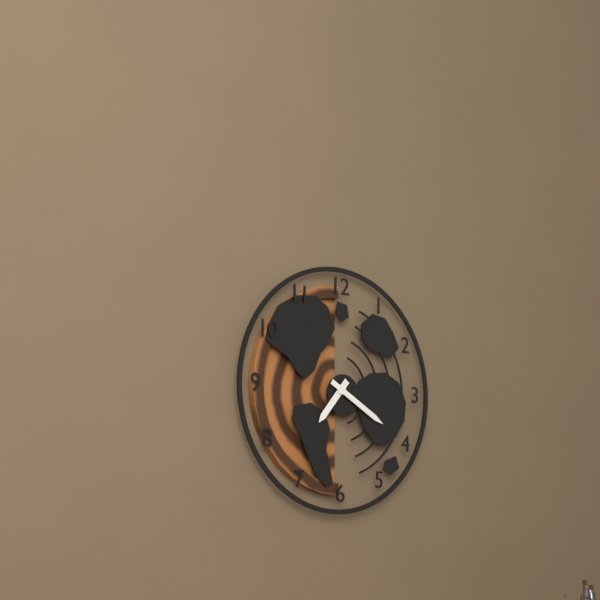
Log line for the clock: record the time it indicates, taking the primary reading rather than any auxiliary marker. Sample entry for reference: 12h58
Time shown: 7h20
